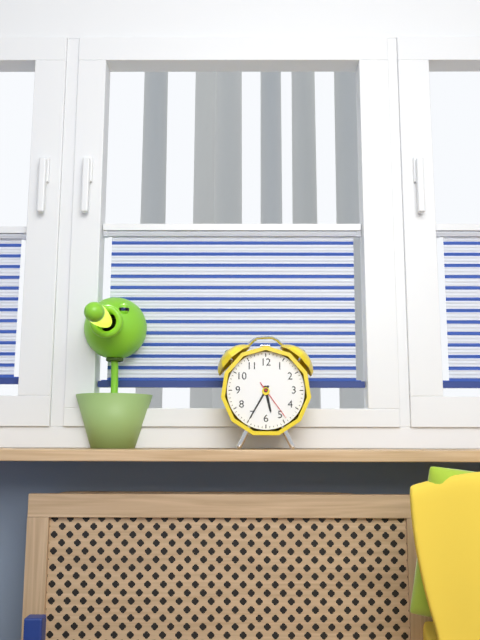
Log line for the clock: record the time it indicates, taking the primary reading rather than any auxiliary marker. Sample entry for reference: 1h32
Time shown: 5h35
